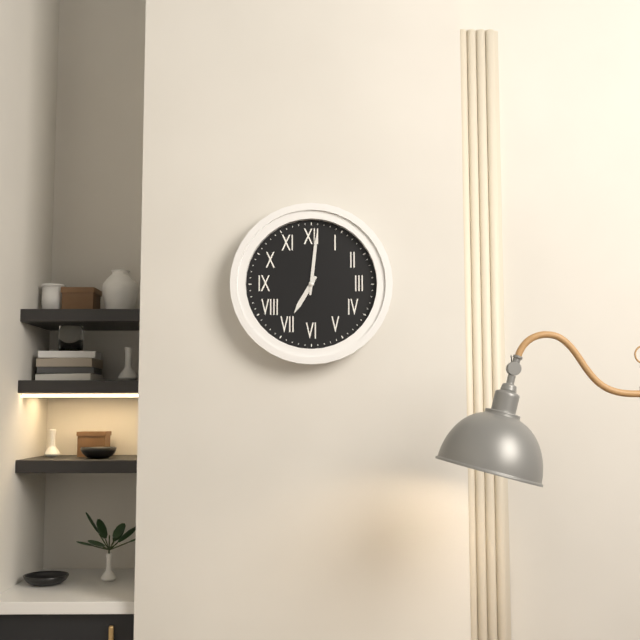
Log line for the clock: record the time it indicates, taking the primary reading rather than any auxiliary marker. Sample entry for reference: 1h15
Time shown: 7h01
